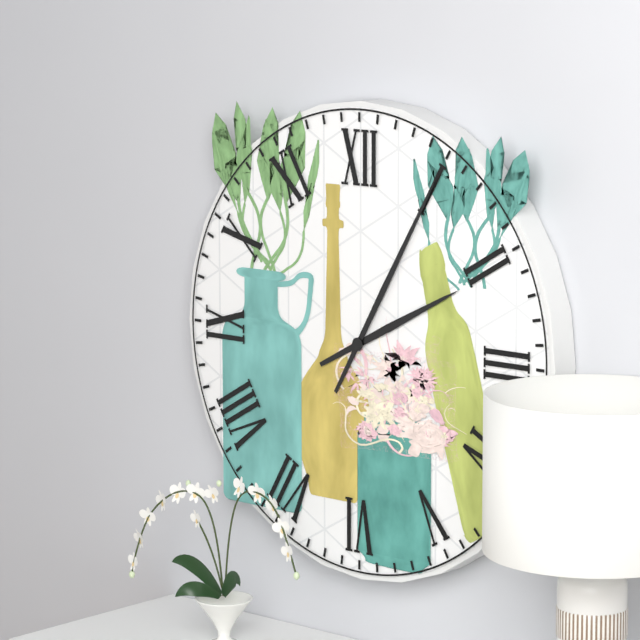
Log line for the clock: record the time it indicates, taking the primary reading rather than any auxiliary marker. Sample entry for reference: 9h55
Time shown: 2h05
